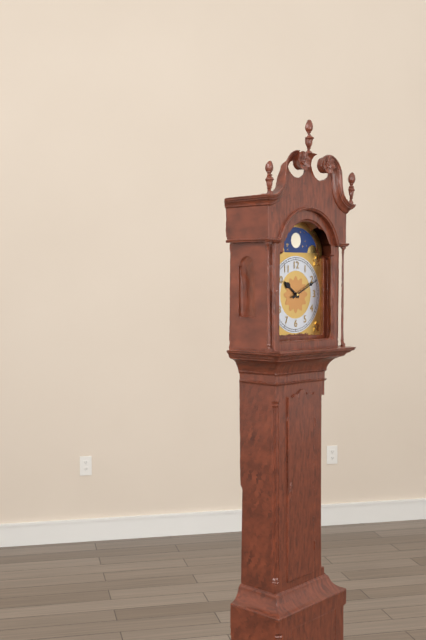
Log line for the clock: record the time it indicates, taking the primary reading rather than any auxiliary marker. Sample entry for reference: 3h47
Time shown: 10h11
